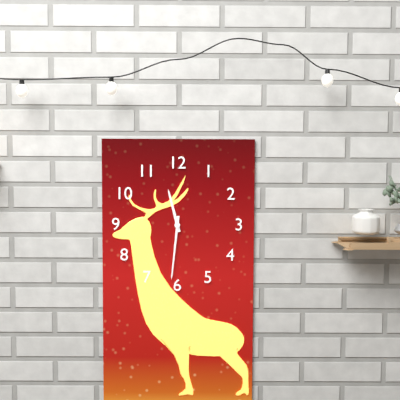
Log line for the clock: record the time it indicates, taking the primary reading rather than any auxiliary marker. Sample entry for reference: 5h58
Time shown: 11h31
